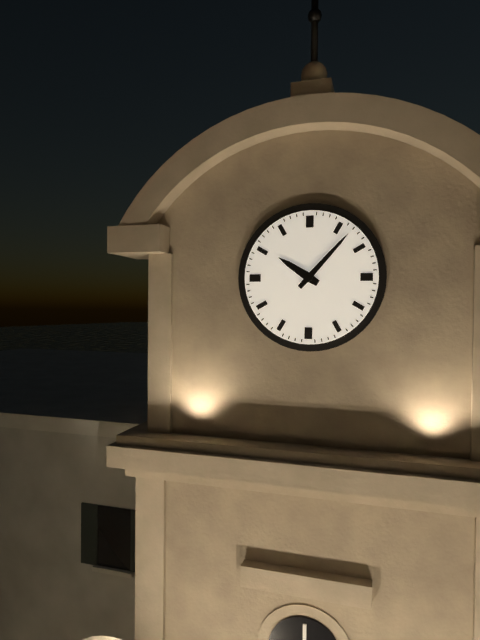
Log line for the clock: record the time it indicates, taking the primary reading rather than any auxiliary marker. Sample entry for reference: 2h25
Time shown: 10h07
